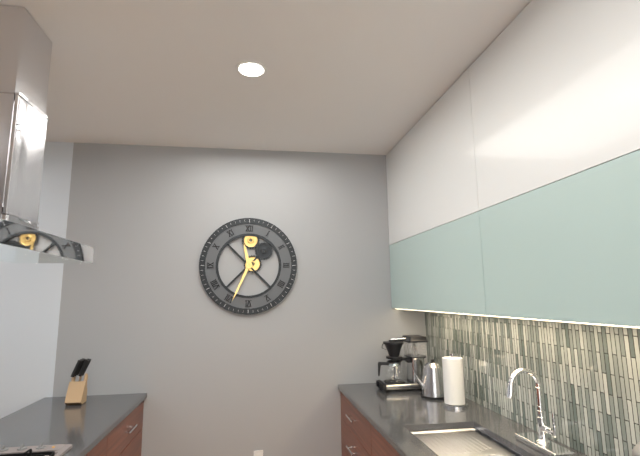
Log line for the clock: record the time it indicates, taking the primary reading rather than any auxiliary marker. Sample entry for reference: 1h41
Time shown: 11h34
